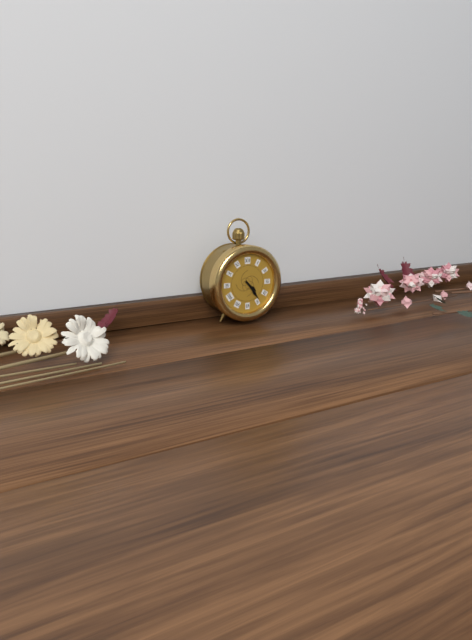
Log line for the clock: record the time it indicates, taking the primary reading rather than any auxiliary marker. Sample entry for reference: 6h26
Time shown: 4h24
